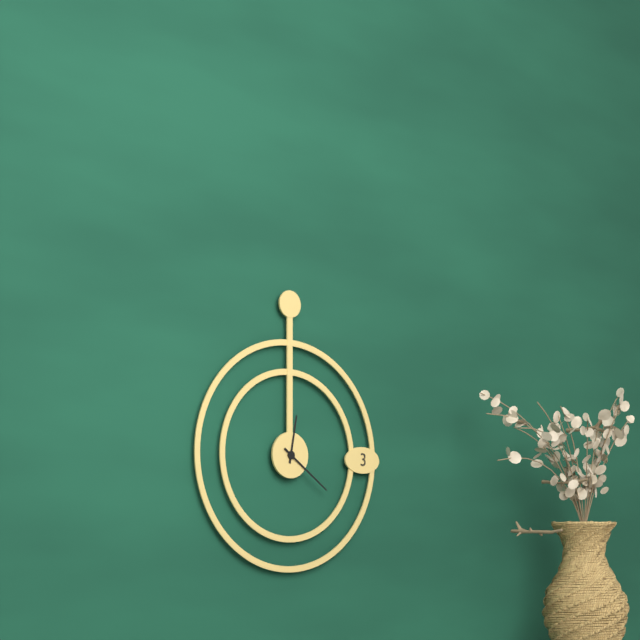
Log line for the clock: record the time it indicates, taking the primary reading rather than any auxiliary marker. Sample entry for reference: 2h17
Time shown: 12h21
